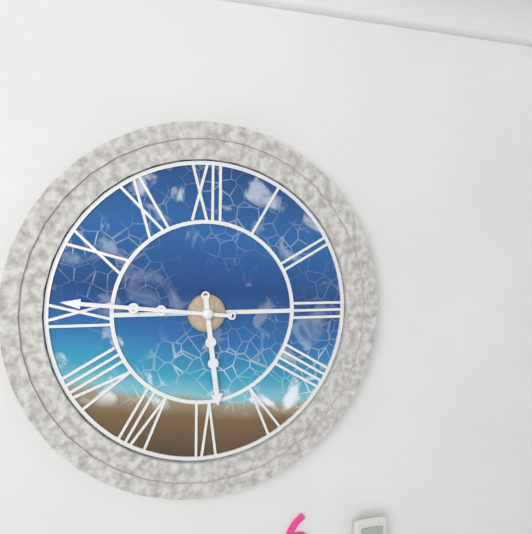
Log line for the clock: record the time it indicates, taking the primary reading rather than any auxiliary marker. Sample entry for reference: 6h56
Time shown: 5h46
